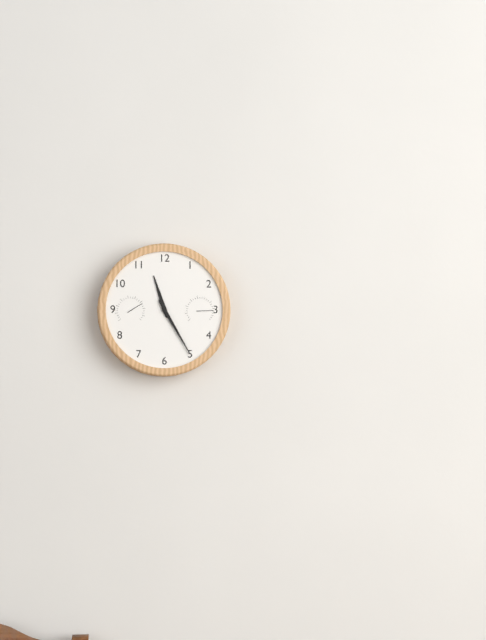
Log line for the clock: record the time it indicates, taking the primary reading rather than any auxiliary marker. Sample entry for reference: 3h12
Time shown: 11h25
